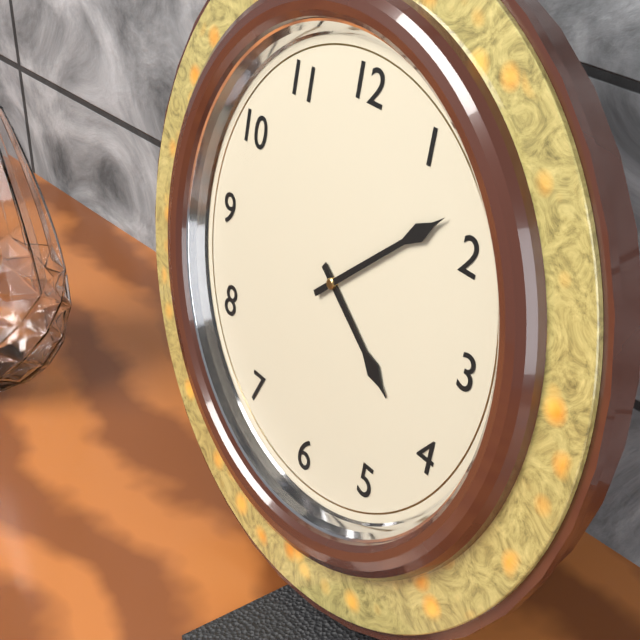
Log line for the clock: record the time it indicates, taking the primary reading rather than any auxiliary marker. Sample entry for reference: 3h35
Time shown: 4h08
